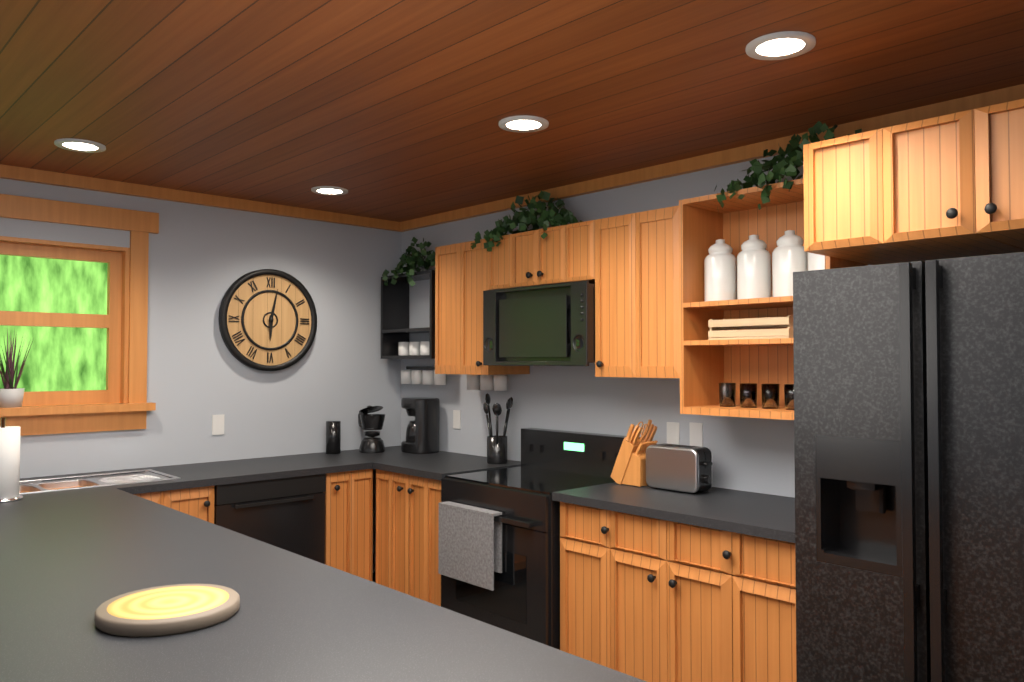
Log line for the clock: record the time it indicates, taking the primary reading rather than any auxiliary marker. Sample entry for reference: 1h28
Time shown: 6h02
